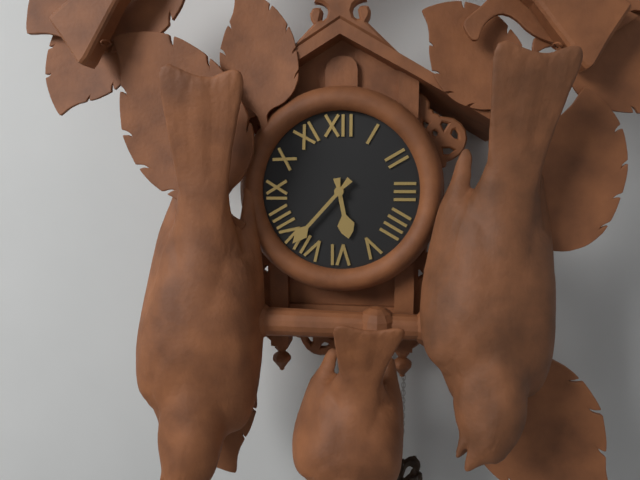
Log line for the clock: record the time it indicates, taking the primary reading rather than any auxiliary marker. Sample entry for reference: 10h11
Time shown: 5h37
